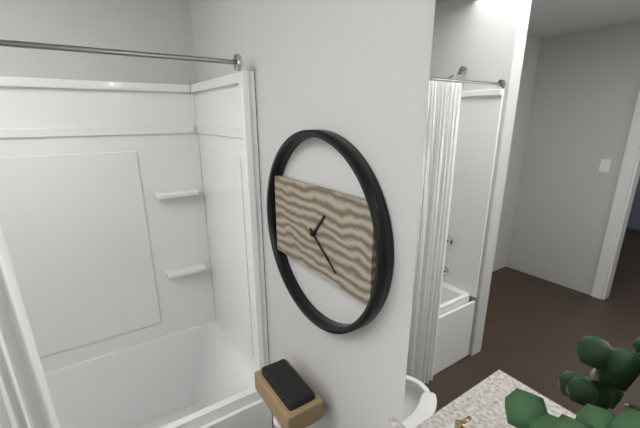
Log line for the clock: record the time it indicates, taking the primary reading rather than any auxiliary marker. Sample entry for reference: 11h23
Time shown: 1h21
